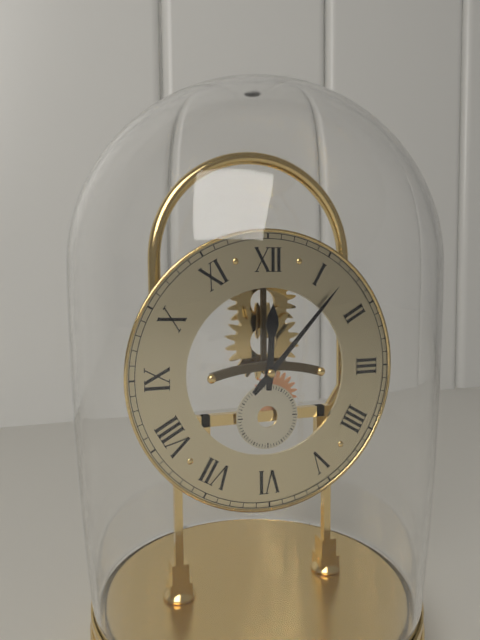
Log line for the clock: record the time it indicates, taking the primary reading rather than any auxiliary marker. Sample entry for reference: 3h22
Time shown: 12h07
